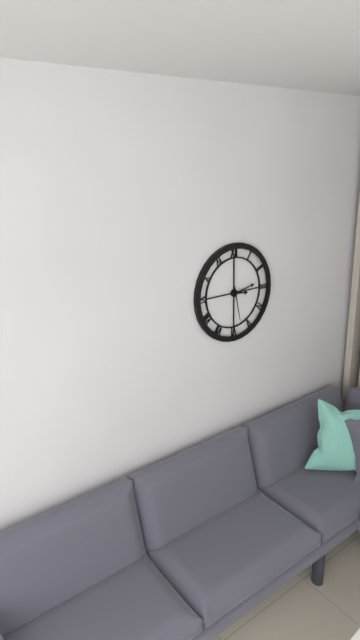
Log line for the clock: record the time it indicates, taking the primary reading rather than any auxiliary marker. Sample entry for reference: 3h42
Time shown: 3h13
